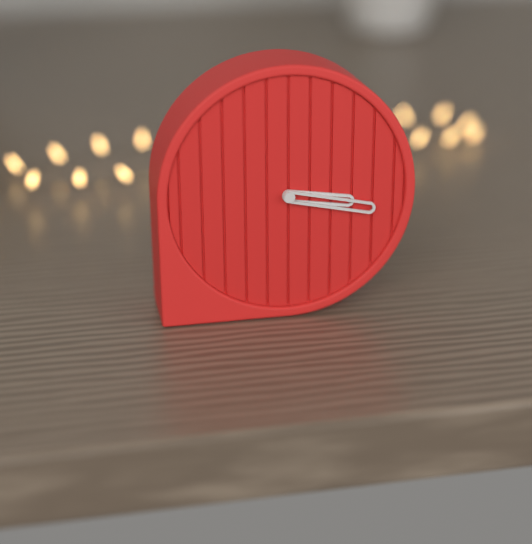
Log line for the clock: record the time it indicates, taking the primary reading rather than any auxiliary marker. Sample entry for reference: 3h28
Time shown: 3h17
